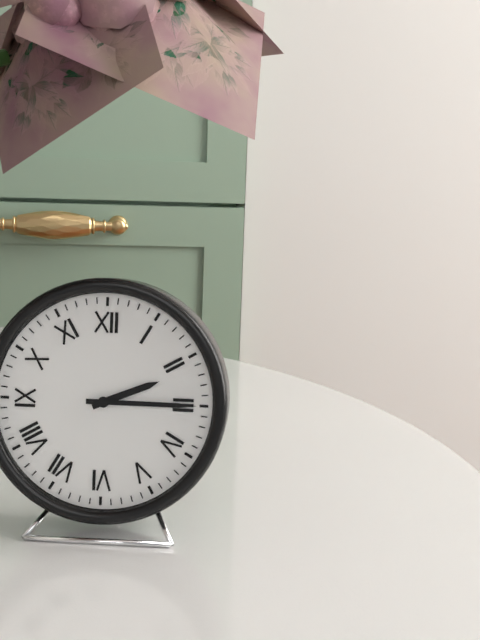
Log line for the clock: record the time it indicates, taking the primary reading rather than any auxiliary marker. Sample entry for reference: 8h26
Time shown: 2h15
